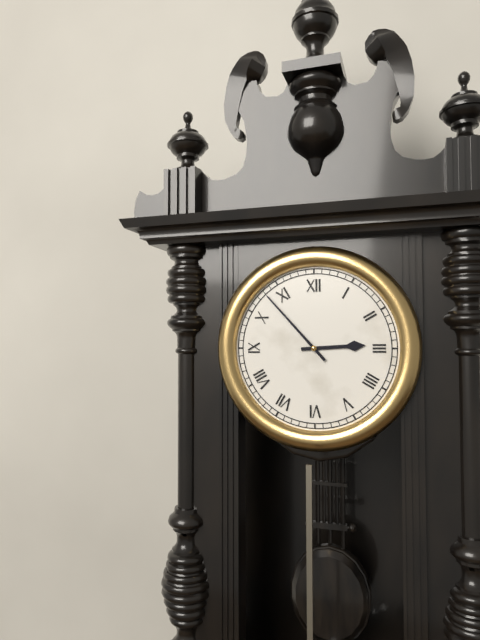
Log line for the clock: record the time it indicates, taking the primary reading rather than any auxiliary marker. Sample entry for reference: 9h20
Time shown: 2h53
